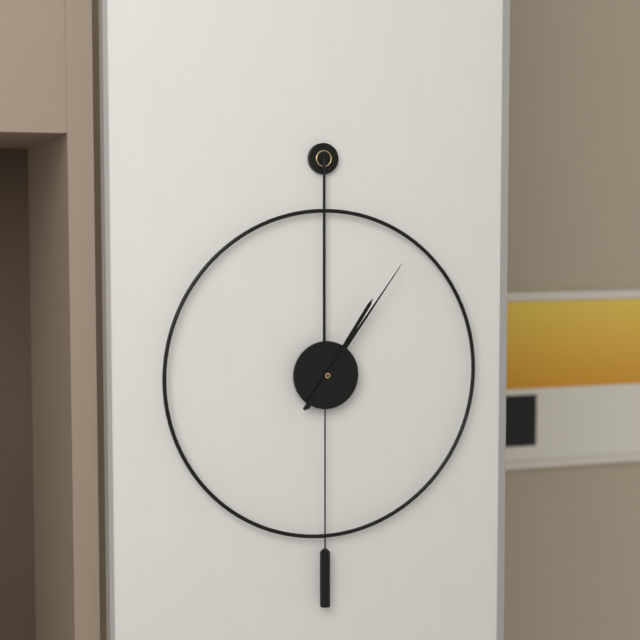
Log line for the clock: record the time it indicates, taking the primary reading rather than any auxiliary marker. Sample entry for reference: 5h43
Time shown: 1h06
